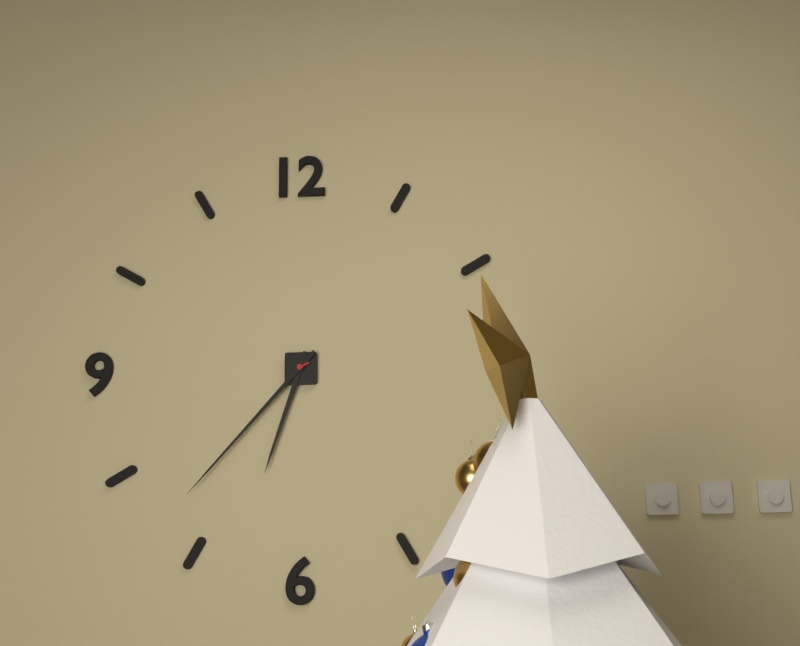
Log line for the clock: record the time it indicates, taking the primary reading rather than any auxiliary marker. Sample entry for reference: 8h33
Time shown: 6h37
